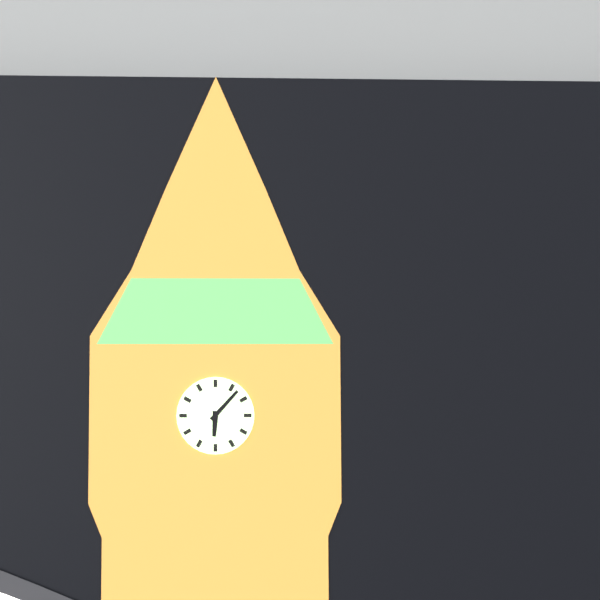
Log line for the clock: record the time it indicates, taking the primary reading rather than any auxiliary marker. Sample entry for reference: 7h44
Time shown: 6h07
